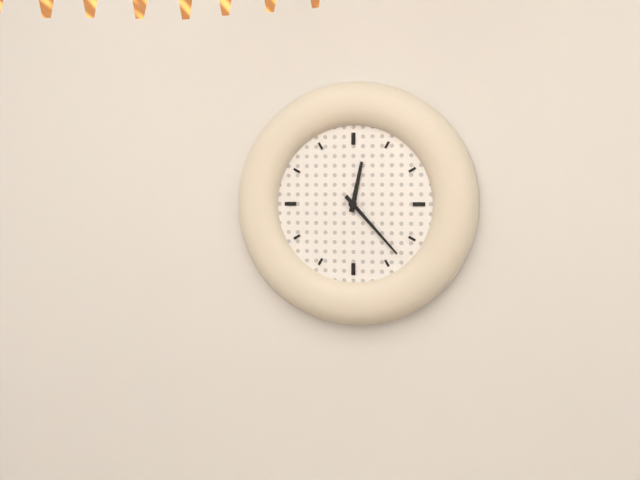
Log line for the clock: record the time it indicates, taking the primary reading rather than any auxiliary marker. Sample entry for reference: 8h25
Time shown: 12h23
